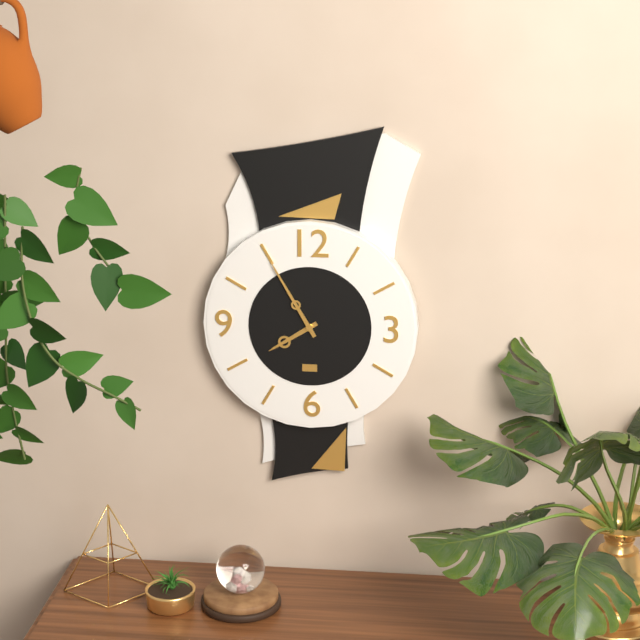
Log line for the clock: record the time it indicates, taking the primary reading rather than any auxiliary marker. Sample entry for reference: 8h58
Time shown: 7h55
